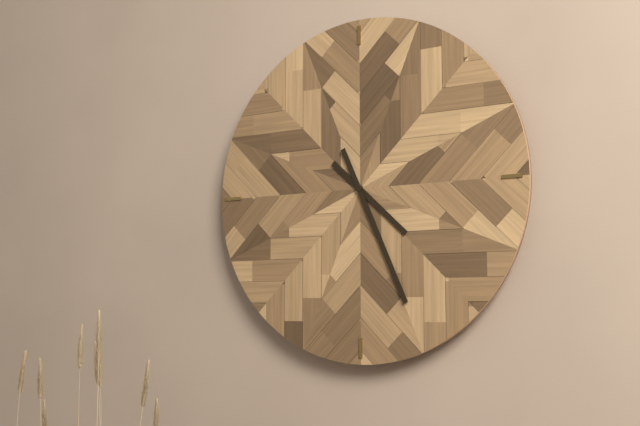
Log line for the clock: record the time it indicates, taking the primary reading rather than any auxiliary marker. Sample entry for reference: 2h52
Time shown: 4h26
